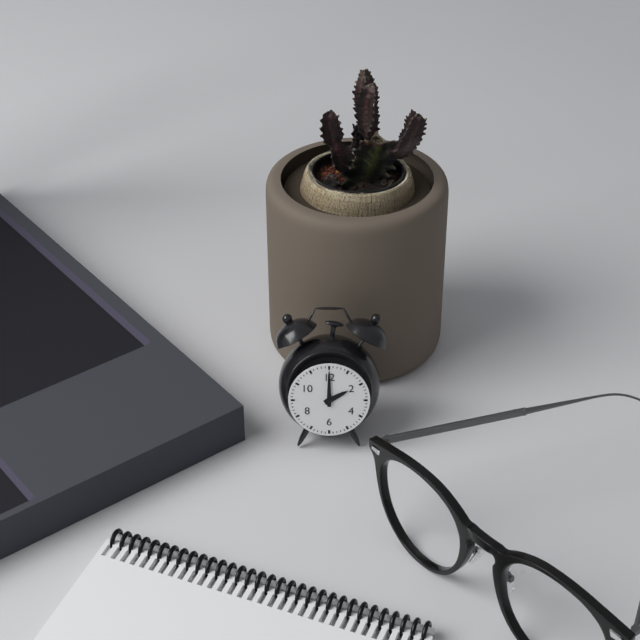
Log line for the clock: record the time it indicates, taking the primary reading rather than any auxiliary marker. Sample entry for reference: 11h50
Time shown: 2h00
